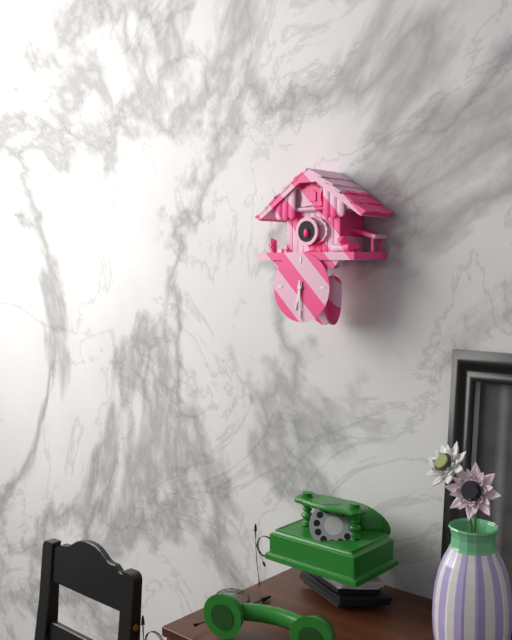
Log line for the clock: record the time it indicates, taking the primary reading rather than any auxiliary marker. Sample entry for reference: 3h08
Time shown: 6h30
